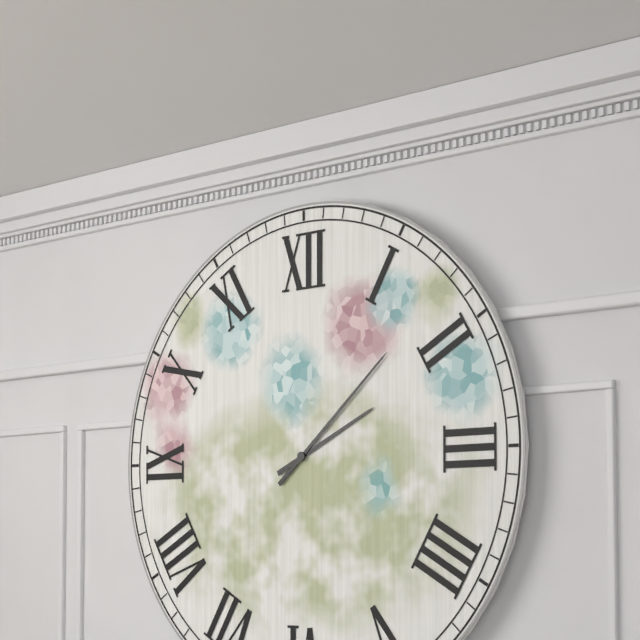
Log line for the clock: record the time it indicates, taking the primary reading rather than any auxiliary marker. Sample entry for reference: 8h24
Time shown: 2h08
